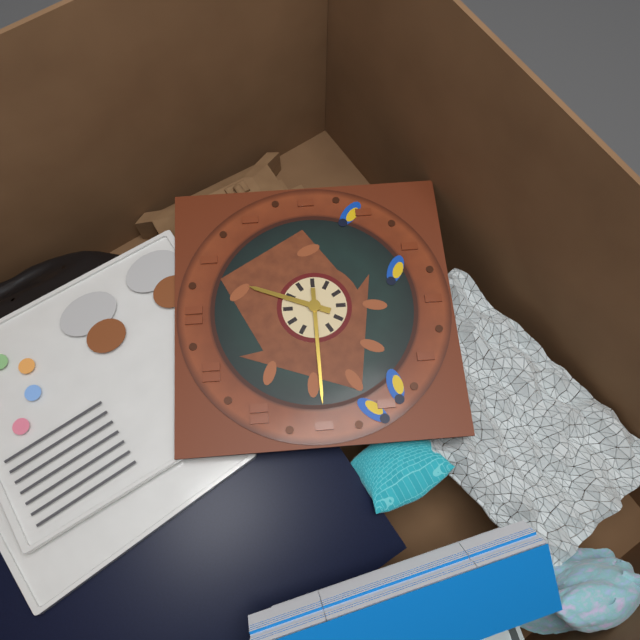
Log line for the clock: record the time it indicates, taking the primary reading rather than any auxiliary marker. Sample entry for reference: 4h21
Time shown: 12h45
